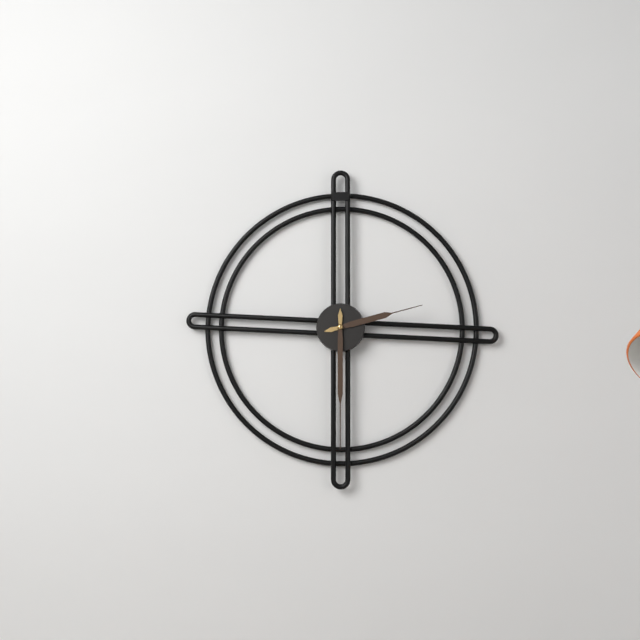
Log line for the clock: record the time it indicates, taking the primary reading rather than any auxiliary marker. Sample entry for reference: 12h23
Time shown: 2h30
